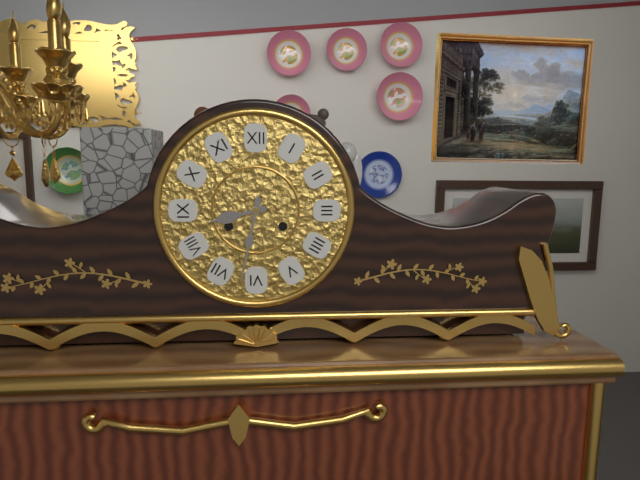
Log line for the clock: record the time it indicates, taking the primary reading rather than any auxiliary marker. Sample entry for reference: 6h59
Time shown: 8h32
